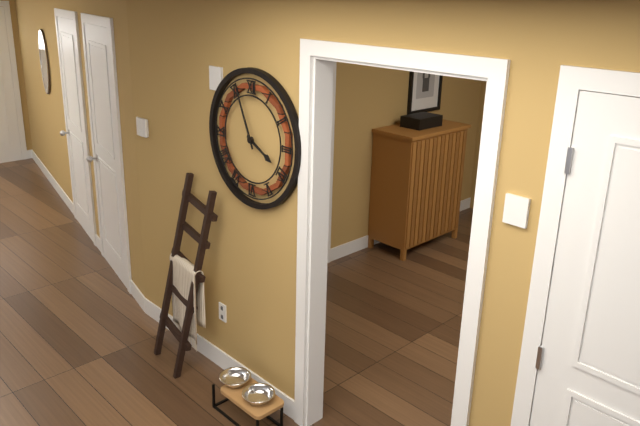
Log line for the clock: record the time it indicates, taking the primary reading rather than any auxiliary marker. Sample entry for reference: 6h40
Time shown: 3h56
